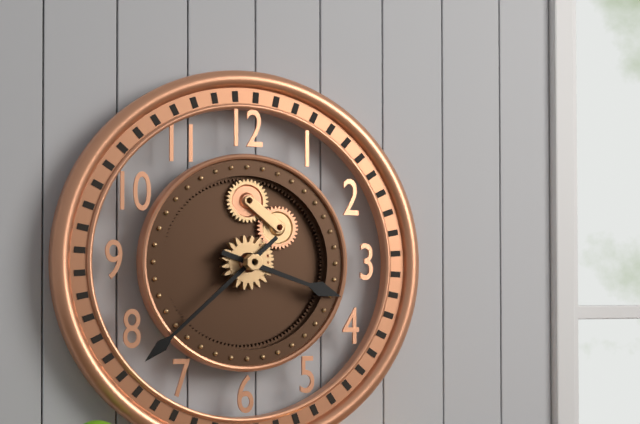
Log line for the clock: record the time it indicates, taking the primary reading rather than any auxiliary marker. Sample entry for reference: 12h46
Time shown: 3h38
